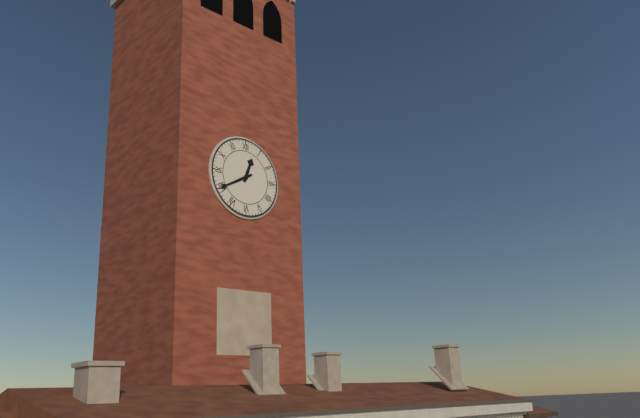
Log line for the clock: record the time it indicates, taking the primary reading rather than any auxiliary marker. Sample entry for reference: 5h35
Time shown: 12h40
